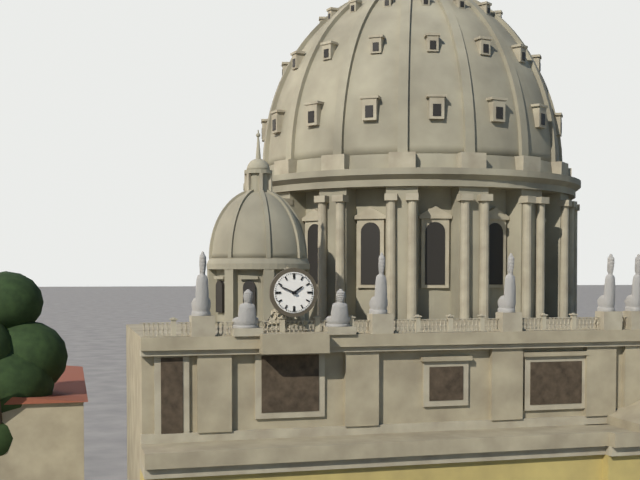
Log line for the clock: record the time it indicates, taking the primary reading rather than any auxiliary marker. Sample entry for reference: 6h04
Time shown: 1h49
